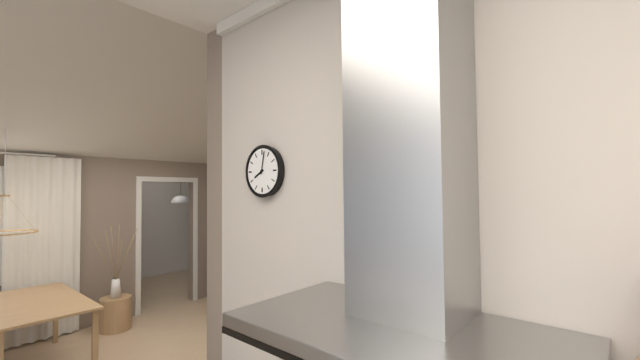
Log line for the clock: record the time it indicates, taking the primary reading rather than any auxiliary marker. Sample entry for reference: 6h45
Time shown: 8h02
